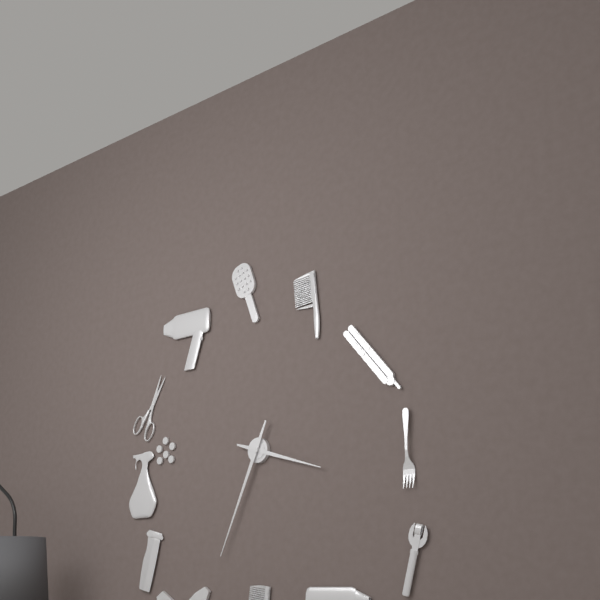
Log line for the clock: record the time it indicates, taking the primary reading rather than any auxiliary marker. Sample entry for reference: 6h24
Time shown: 3h34
